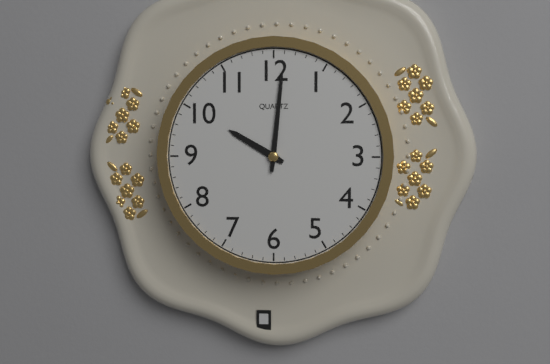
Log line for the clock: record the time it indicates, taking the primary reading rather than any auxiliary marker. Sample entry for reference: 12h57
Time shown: 10h01
